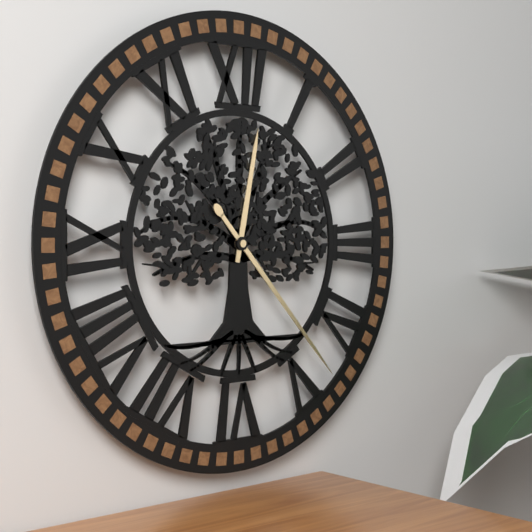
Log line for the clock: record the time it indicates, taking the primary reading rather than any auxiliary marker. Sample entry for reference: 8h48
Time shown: 12h23
